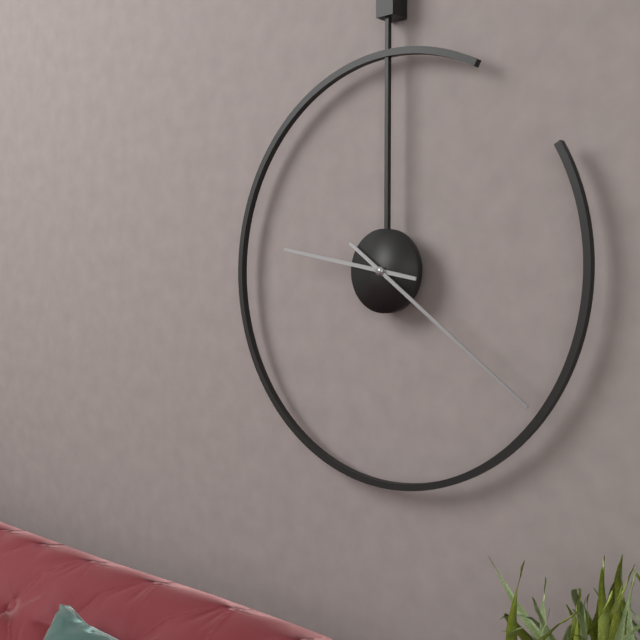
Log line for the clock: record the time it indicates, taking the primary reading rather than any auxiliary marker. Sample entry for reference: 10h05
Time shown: 9h21
